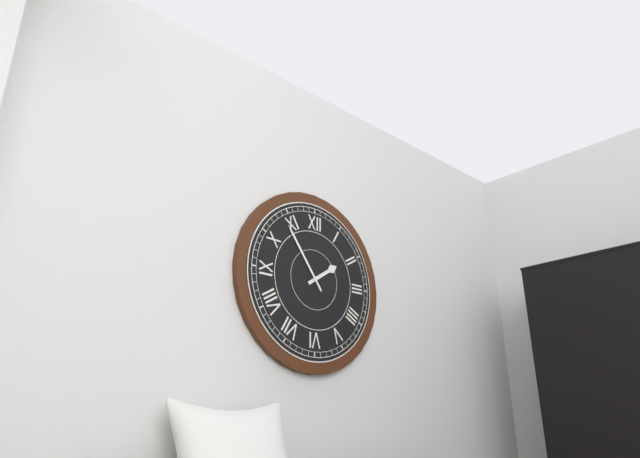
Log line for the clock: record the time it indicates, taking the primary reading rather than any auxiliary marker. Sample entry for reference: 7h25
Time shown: 1h54
